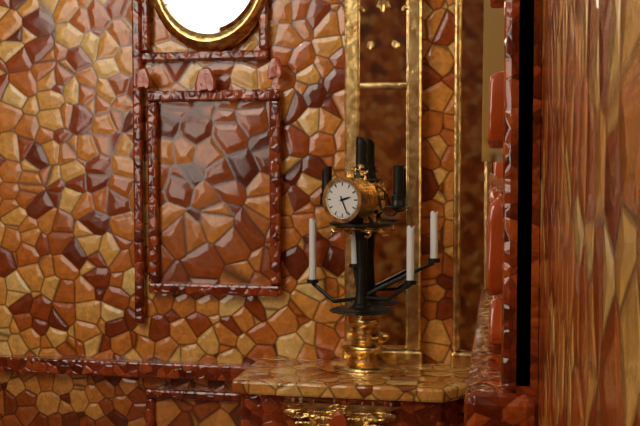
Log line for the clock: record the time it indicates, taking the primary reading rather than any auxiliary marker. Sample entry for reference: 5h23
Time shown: 2h26
